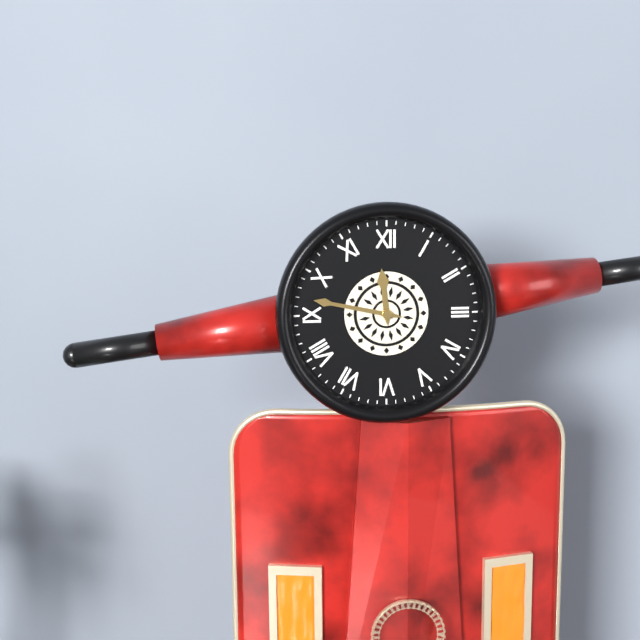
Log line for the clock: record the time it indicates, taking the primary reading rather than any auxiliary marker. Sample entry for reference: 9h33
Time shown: 11h47
